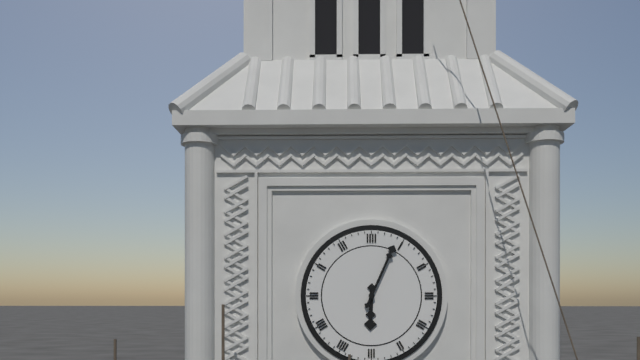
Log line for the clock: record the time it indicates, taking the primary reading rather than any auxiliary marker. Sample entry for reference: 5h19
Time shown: 6h04
